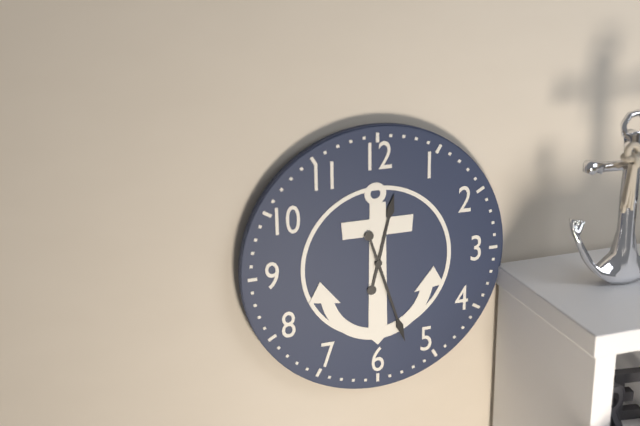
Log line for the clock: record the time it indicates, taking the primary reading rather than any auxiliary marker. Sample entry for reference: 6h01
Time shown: 12h27
